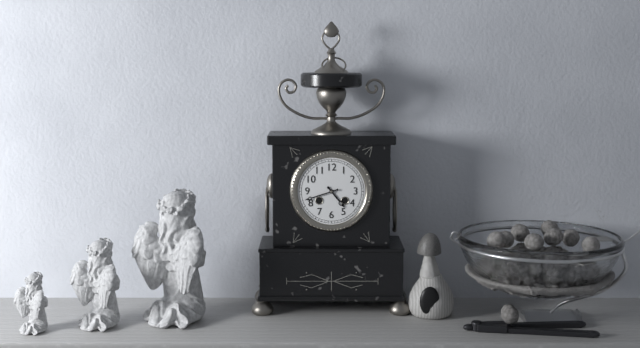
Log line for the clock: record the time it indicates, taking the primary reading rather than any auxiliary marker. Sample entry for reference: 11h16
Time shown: 4h42
